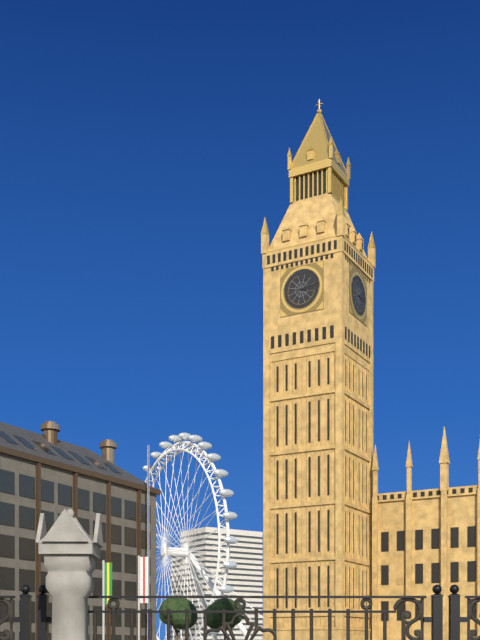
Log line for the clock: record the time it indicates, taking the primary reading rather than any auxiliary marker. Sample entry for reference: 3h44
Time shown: 3h13
